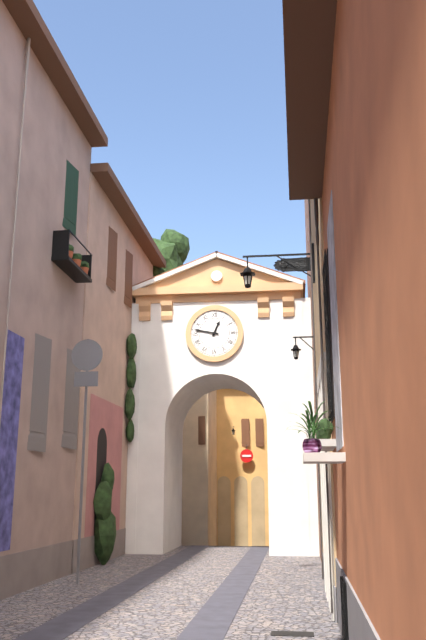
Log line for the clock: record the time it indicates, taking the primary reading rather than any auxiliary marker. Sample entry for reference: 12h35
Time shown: 12h47
